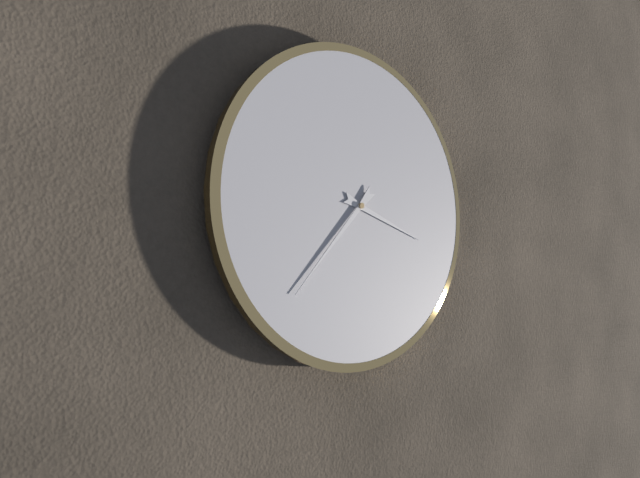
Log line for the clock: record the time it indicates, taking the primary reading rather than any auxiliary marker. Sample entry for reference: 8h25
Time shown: 3h37
